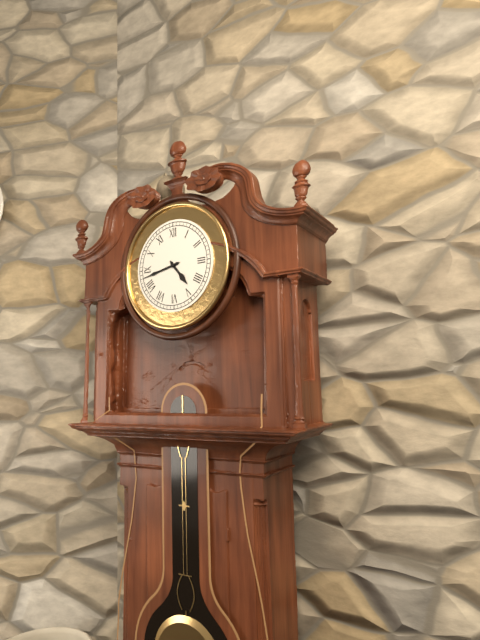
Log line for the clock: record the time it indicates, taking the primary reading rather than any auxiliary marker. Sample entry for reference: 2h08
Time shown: 4h43
